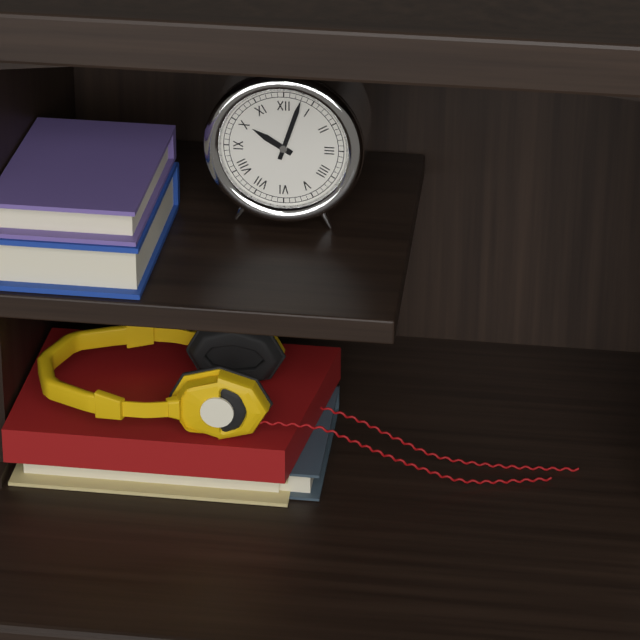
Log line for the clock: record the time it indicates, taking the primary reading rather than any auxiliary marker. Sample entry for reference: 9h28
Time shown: 10h03
